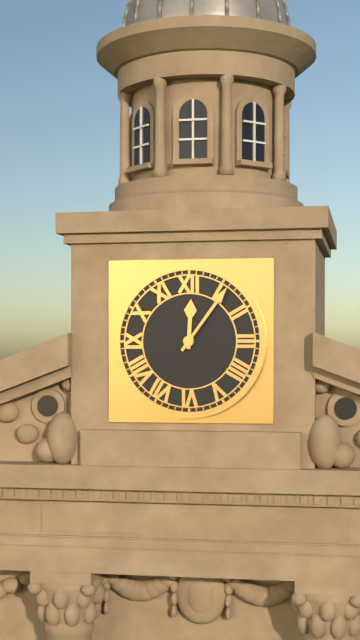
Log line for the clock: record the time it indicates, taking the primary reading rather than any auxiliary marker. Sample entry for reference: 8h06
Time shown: 12h06
